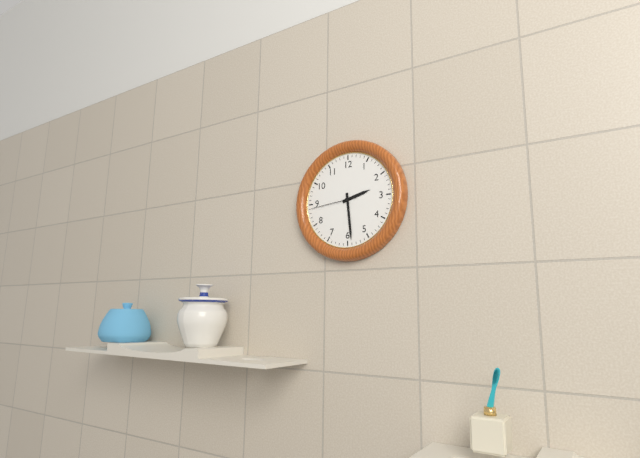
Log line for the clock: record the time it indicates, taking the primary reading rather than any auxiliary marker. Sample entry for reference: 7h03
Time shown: 2h29
